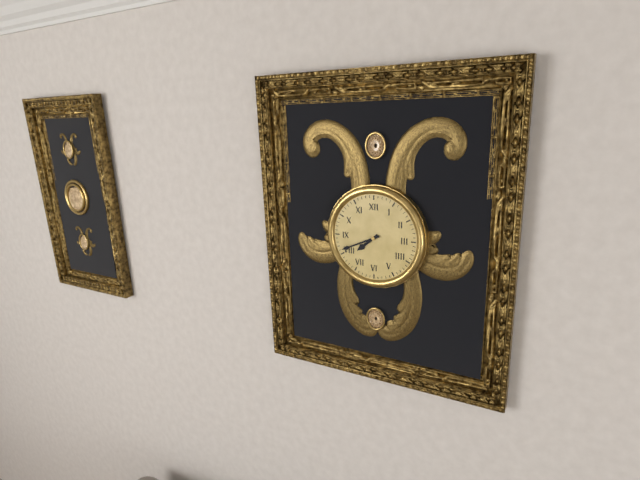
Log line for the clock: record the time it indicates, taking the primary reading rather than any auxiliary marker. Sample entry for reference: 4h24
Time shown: 7h41
